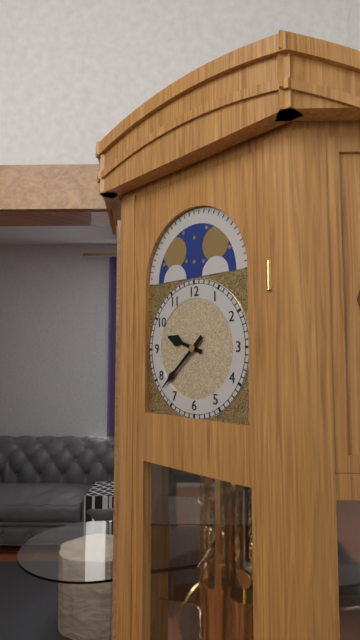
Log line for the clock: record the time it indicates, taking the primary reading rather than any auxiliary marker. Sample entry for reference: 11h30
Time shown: 9h38
